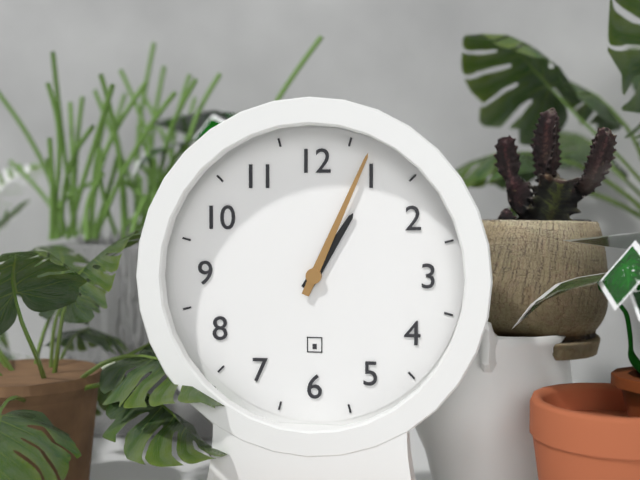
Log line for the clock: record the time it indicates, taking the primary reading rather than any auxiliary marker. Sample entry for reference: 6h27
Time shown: 1h04
